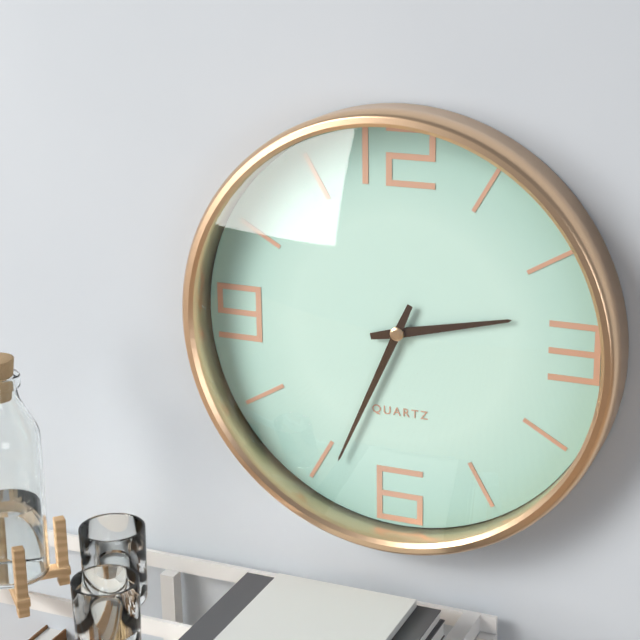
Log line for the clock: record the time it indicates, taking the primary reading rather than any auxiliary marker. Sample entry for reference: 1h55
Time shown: 2h34
